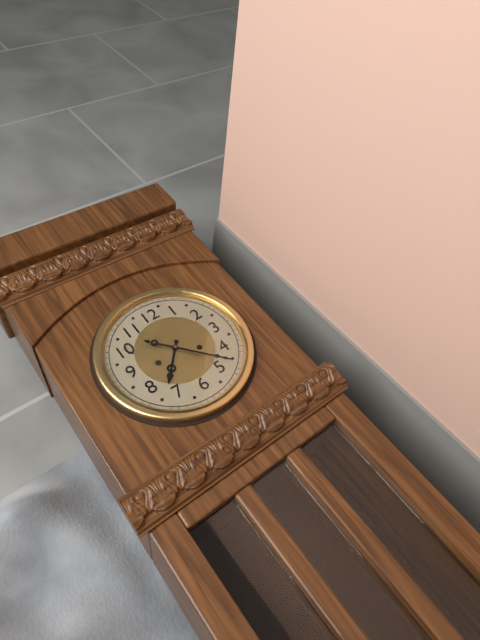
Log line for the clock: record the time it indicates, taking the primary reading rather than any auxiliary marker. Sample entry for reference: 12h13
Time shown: 7h23
